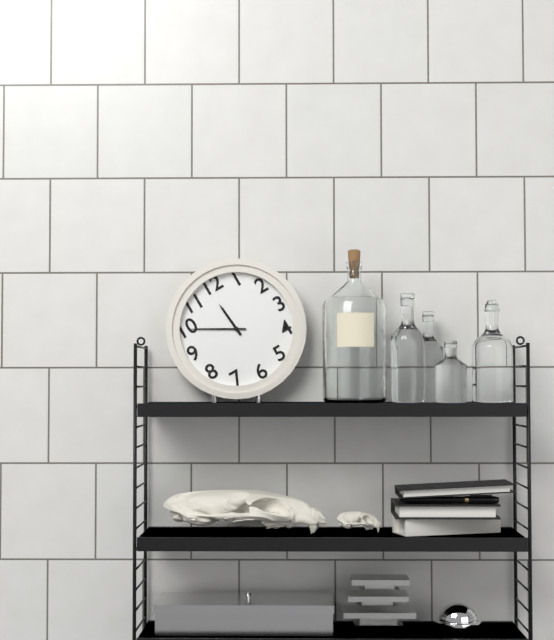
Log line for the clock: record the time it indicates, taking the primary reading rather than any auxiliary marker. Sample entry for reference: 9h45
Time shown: 11h50
